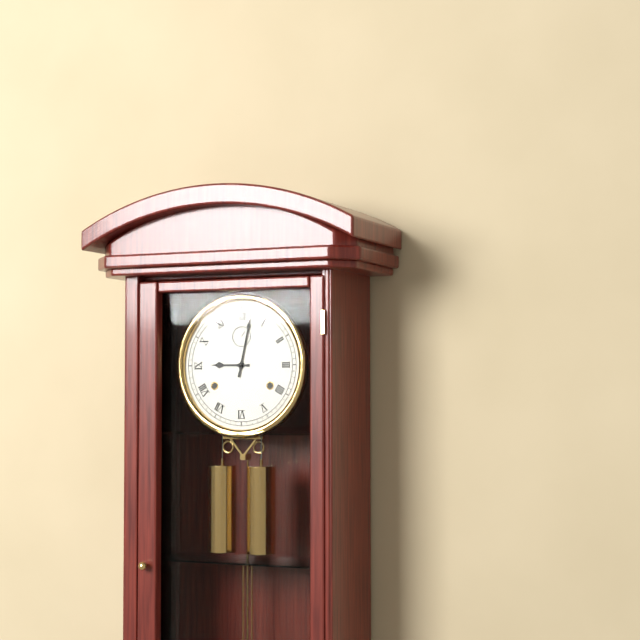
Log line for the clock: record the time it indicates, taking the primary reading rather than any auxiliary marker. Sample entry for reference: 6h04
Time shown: 9h02
